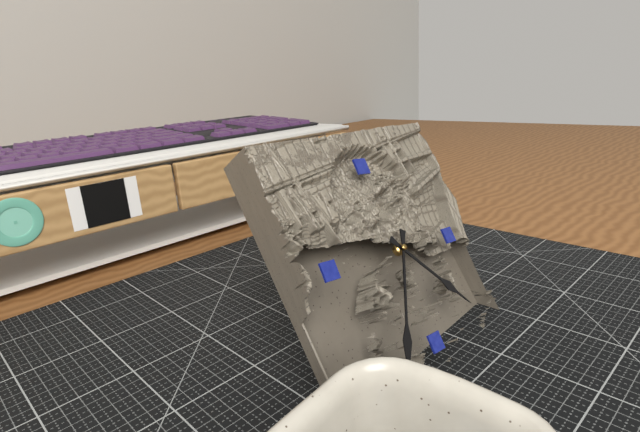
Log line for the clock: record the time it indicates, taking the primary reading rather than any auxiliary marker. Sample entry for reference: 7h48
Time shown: 4h35
